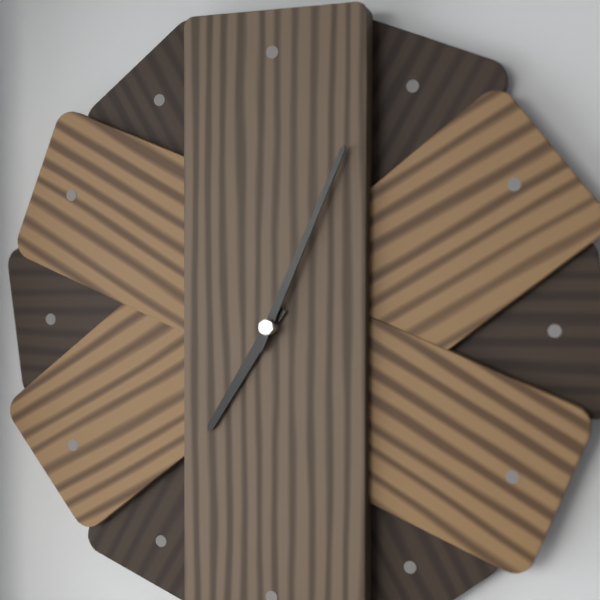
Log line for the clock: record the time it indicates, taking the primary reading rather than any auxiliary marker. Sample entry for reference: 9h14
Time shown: 7h04
